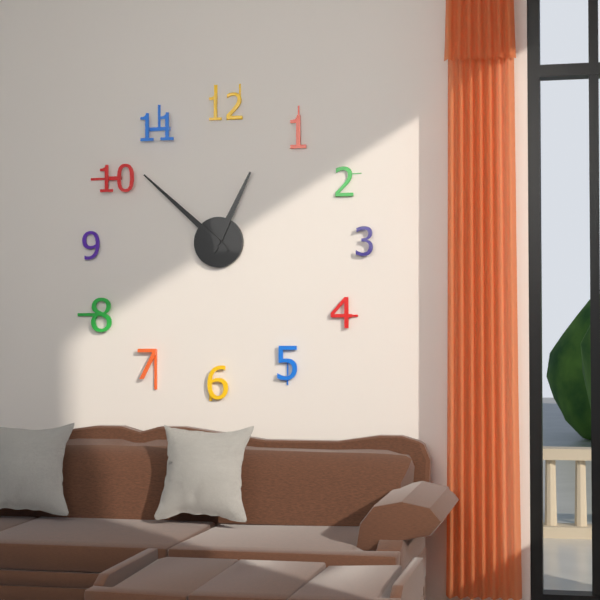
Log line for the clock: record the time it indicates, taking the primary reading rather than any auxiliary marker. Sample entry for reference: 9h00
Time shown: 12h52
